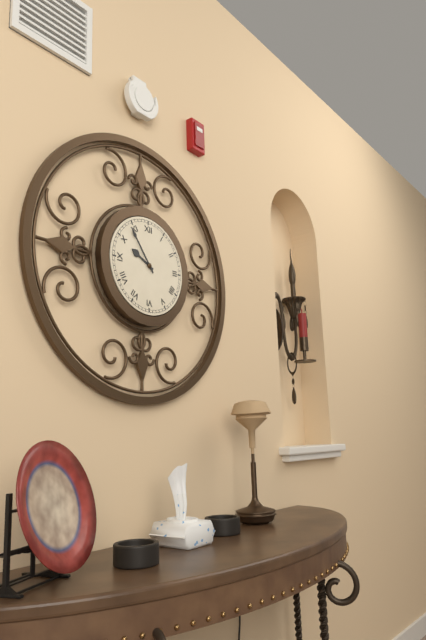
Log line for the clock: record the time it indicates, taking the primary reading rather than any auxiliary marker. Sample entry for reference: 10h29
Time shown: 9h54
